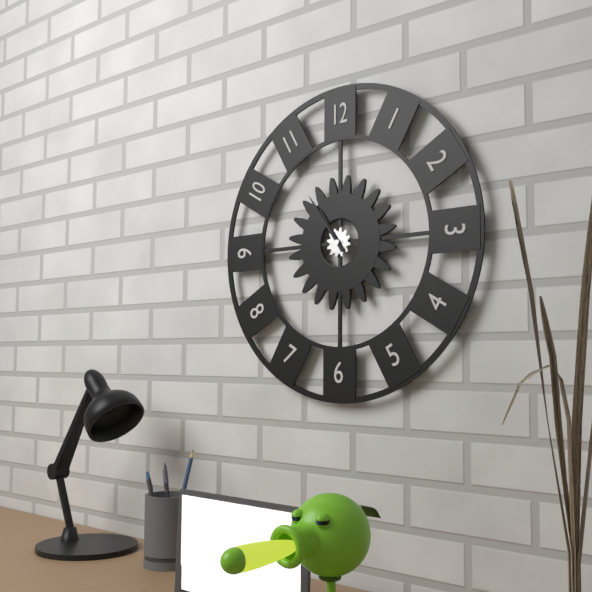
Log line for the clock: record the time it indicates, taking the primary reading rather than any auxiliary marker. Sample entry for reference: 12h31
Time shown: 10h54
